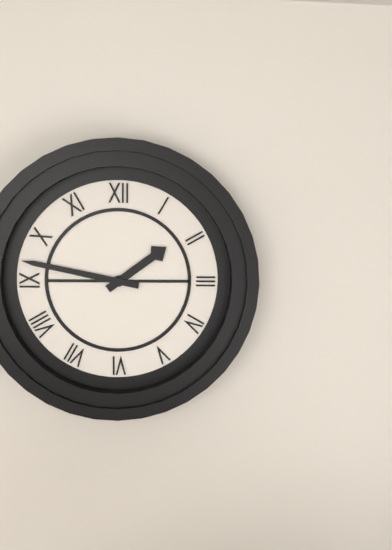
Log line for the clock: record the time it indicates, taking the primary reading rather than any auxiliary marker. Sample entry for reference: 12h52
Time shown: 1h47
